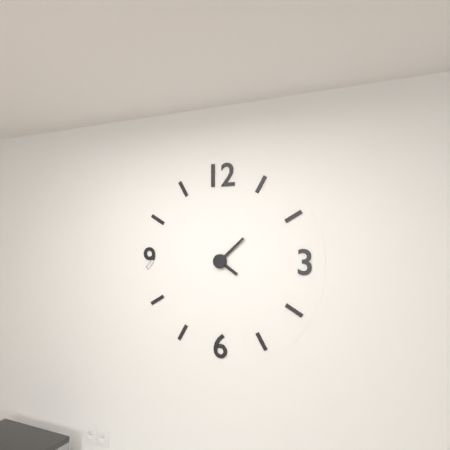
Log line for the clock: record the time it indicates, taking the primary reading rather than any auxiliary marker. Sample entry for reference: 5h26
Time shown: 4h08
